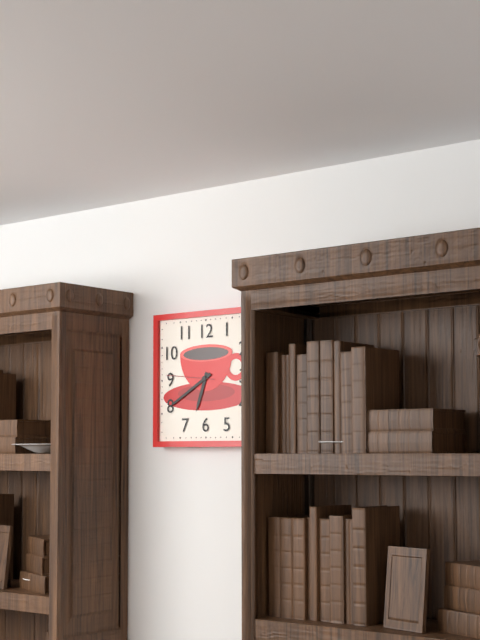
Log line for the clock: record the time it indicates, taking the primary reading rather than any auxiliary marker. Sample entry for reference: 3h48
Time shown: 6h40
